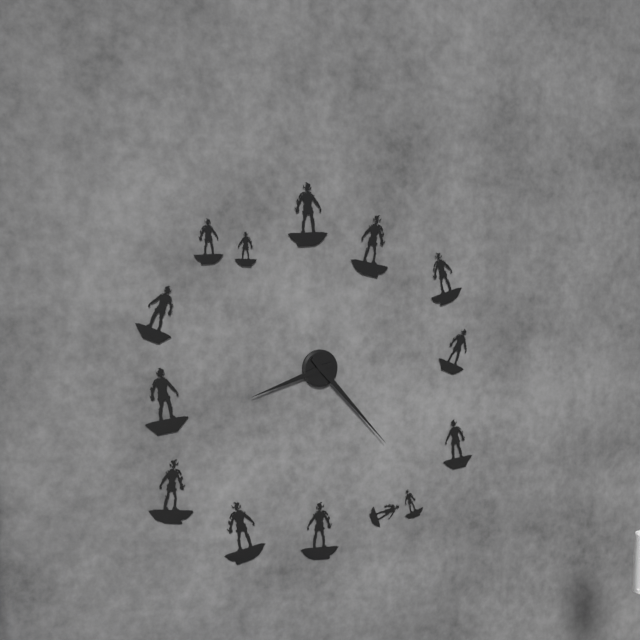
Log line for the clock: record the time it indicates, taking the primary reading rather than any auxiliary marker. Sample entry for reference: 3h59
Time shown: 8h23
